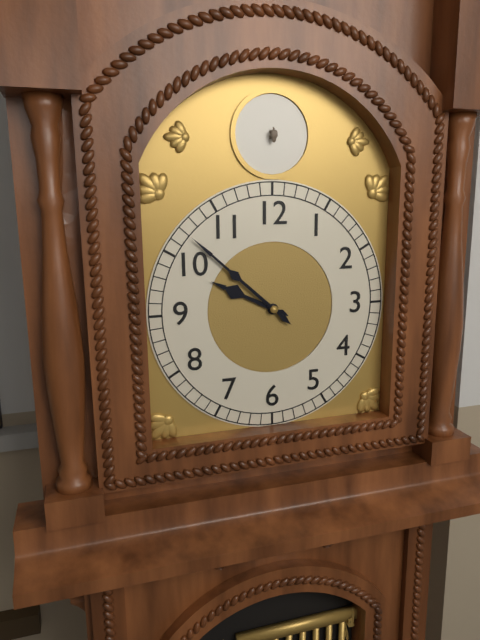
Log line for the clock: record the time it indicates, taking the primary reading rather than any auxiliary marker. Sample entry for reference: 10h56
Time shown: 9h52
